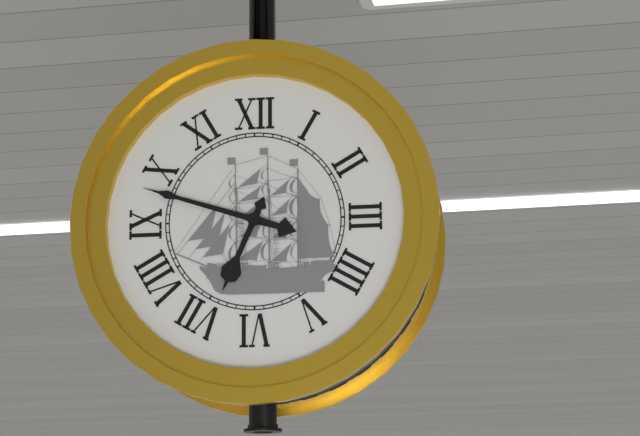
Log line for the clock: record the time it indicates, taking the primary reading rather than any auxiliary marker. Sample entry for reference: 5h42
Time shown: 6h48
